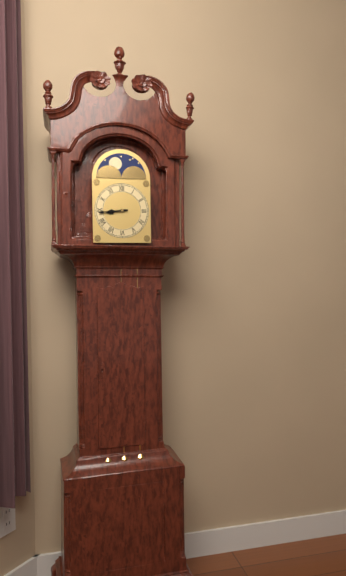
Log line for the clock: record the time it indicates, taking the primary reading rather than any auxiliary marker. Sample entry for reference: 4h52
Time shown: 8h44
